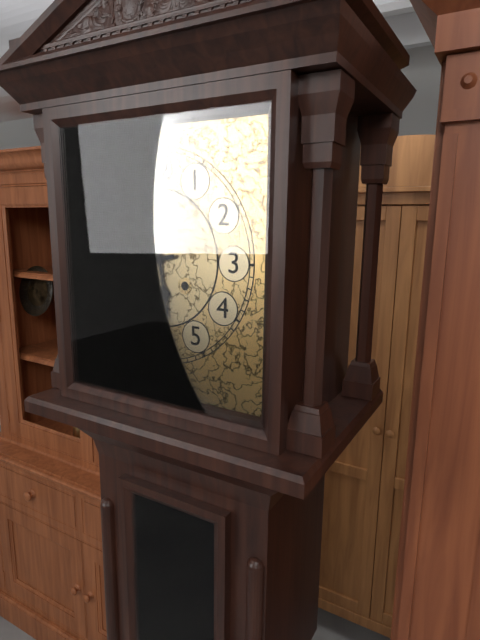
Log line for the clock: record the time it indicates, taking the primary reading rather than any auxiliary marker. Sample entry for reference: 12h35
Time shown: 5h43
